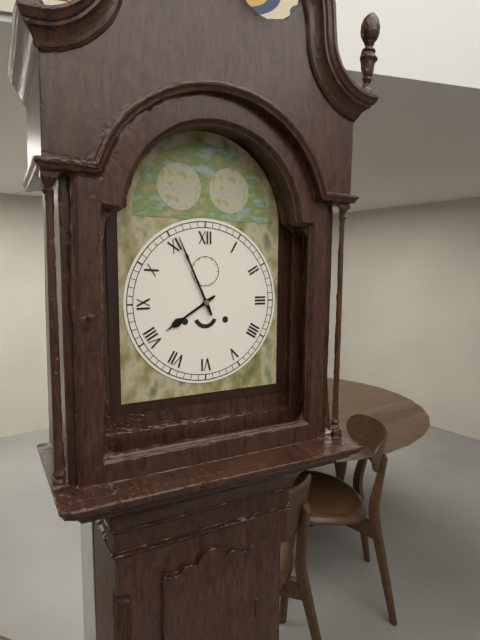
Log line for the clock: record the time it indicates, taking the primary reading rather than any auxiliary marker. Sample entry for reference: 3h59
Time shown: 7h56
